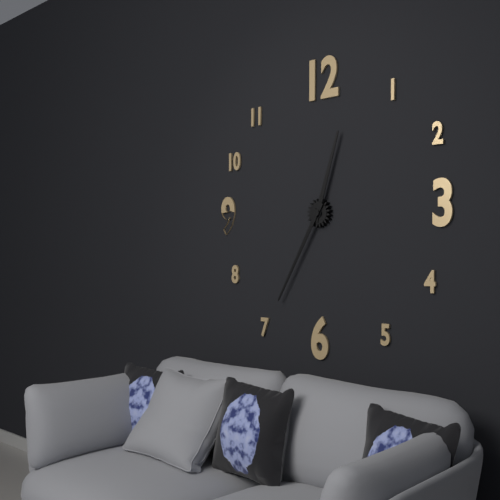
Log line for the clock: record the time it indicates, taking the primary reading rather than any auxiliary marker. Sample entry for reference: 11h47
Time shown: 12h35
